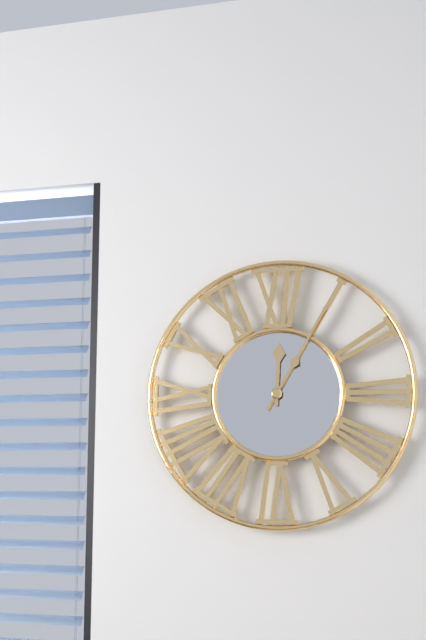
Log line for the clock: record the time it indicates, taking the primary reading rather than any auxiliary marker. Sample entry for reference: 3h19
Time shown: 12h05
